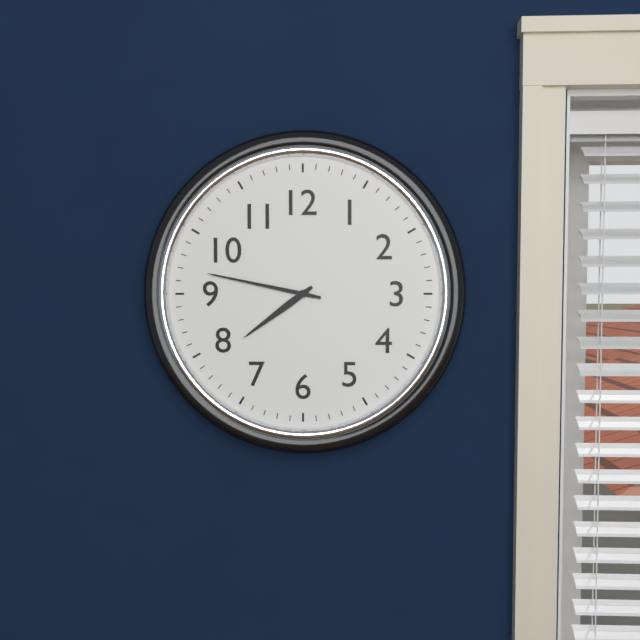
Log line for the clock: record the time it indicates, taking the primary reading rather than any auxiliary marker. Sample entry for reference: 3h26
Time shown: 7h47
